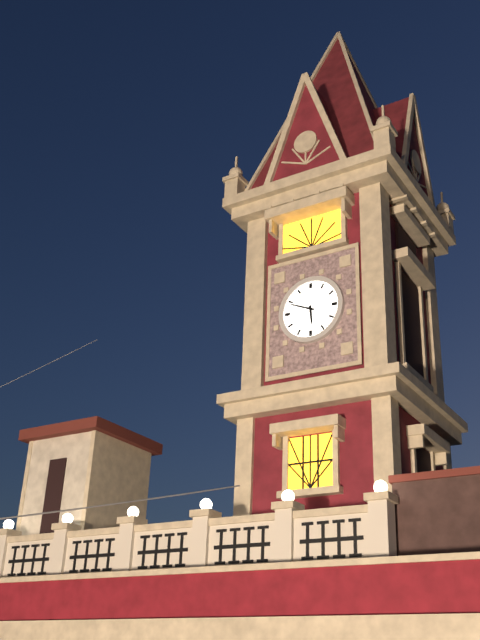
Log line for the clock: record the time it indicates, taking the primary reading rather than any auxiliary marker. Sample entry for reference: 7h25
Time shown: 5h49
